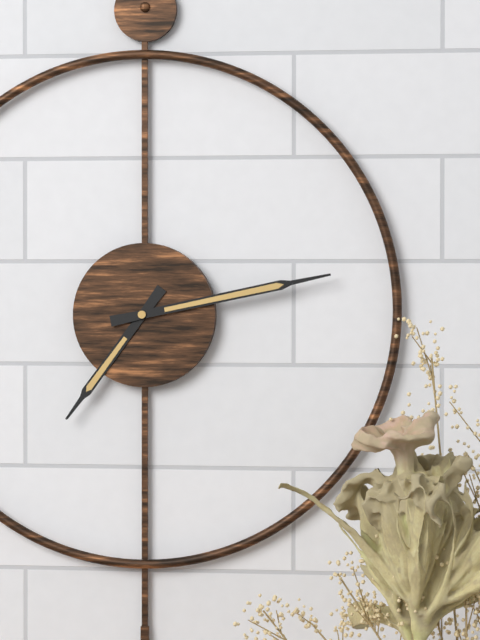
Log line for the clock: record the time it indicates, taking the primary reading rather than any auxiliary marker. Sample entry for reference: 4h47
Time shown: 7h13
